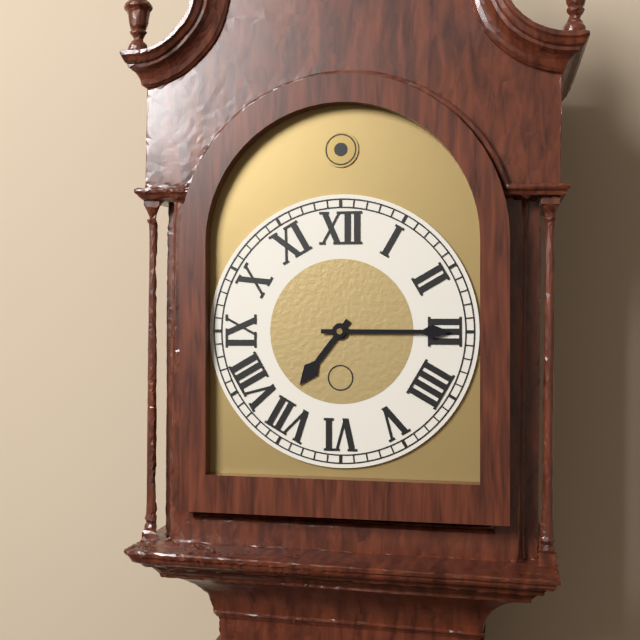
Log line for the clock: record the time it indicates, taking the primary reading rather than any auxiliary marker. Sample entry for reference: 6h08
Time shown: 7h15
